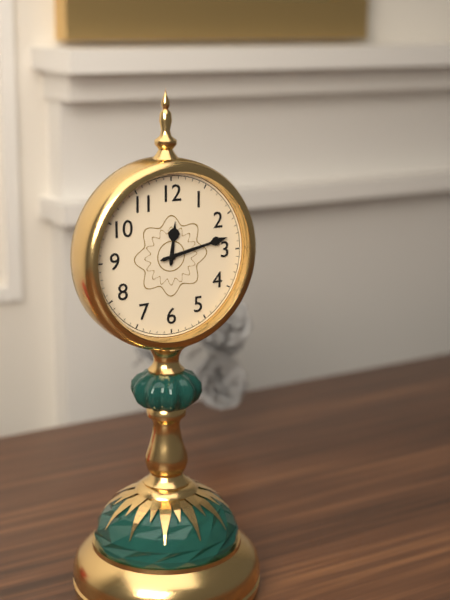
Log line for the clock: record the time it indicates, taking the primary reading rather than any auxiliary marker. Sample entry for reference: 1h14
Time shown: 12h13
